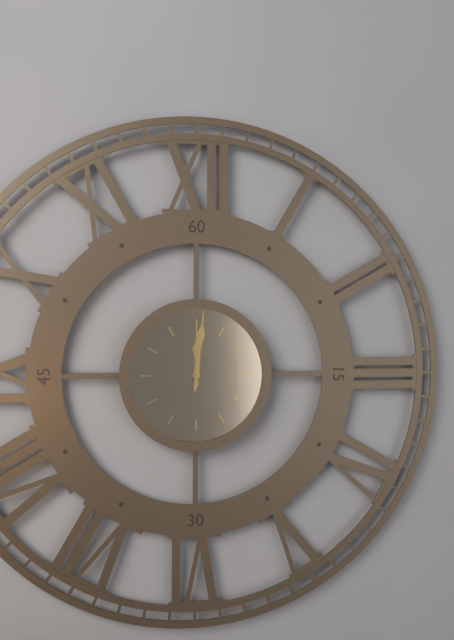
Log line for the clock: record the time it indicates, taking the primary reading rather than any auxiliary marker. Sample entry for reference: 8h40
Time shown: 12h01
